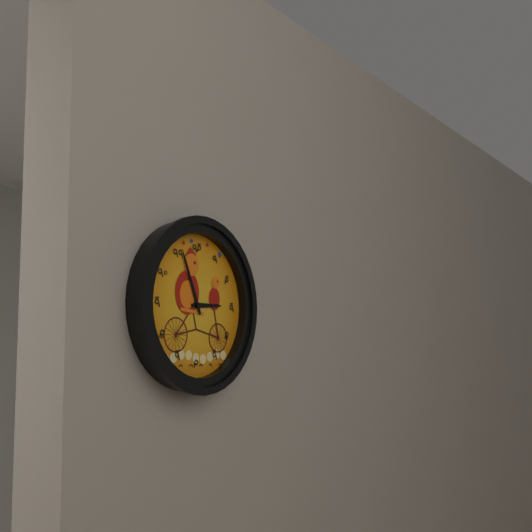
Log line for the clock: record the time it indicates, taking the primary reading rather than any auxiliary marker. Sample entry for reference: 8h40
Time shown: 2h56
